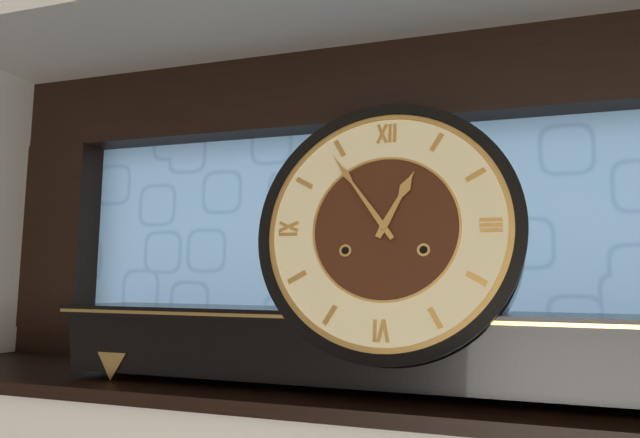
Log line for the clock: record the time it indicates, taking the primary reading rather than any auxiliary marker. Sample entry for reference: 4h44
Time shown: 12h54
